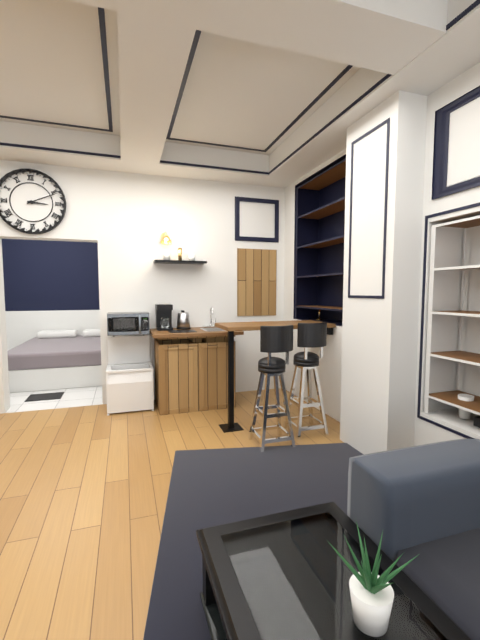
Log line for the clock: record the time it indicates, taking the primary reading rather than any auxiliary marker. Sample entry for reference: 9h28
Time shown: 3h11
